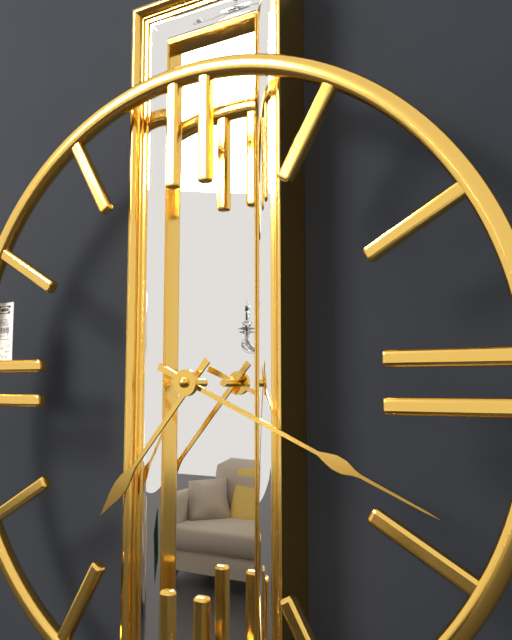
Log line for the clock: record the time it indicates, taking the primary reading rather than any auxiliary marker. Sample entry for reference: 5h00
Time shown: 7h19
